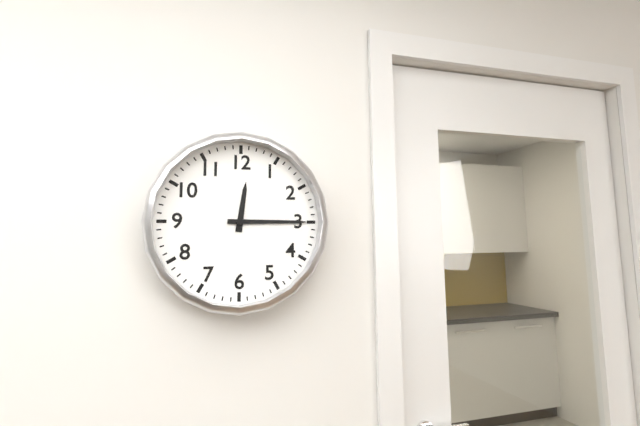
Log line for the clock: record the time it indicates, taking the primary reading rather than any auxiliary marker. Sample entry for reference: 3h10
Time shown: 12h15
